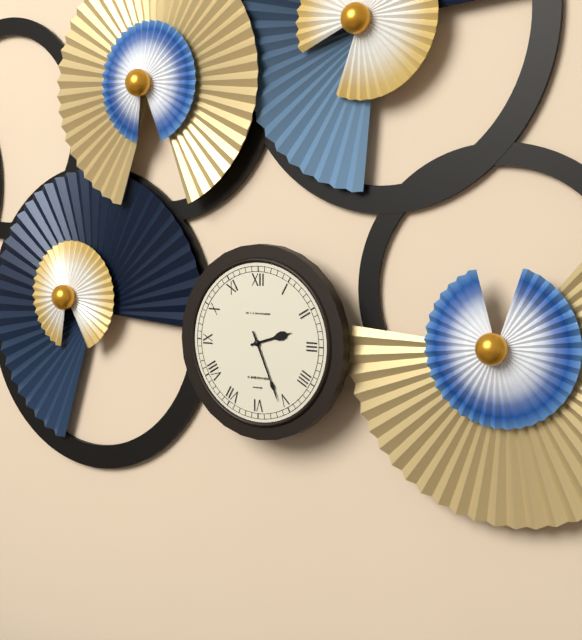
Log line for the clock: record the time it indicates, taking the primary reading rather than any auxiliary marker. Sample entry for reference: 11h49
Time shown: 2h26
